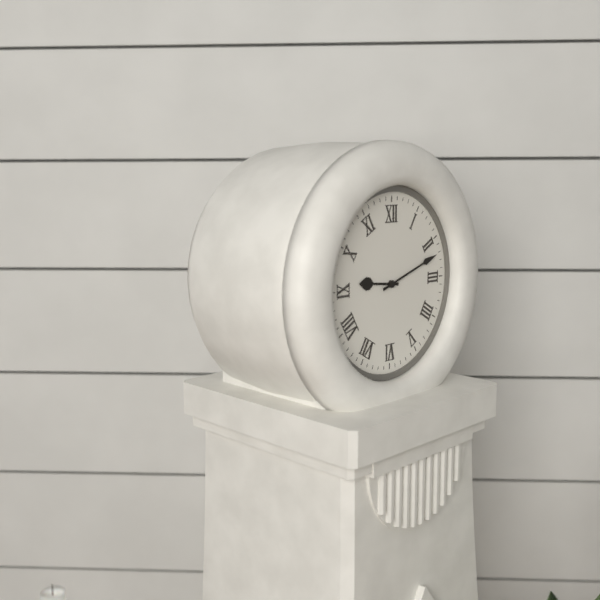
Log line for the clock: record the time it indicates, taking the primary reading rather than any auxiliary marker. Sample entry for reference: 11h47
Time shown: 9h12
